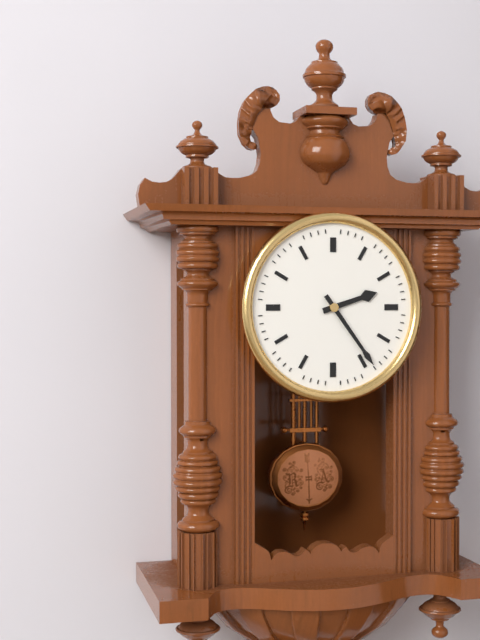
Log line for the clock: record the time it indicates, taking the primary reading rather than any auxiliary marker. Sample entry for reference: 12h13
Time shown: 2h24
